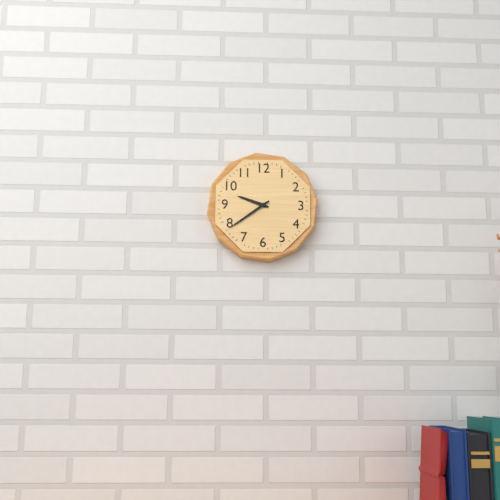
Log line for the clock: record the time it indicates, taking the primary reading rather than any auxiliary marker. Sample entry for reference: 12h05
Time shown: 9h39
